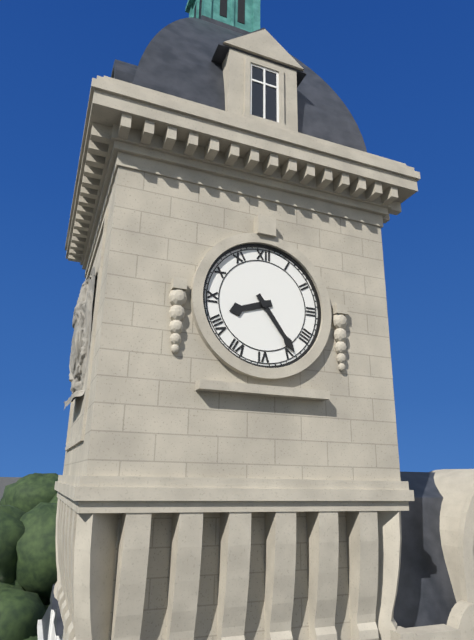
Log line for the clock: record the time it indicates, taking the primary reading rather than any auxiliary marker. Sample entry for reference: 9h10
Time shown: 8h24
